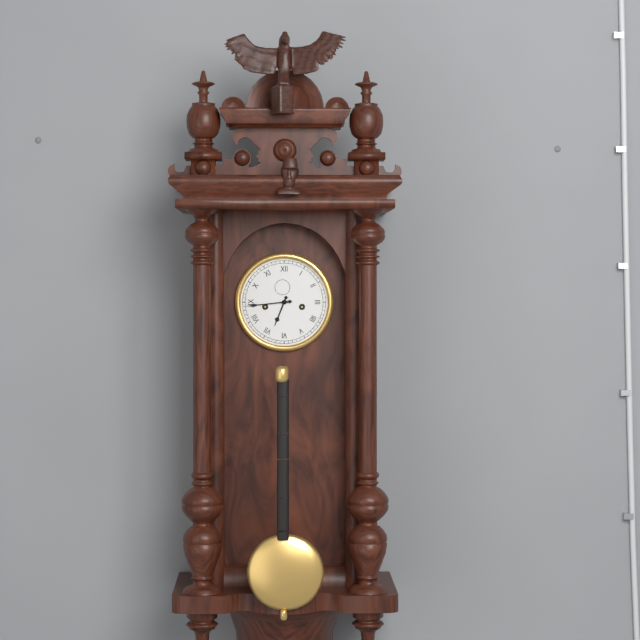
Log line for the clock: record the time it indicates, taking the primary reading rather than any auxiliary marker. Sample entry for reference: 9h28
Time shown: 6h44
